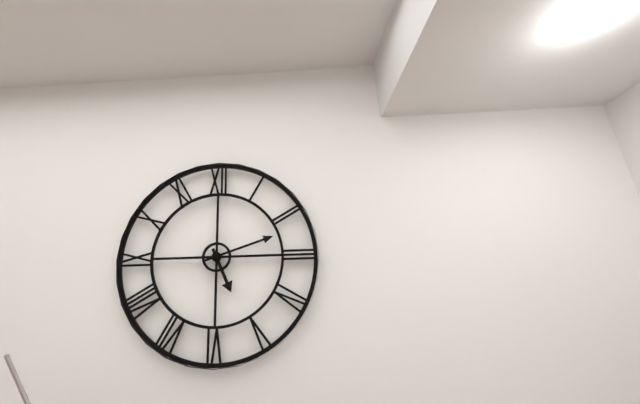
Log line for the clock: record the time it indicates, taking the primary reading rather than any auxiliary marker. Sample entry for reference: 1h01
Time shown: 5h12
